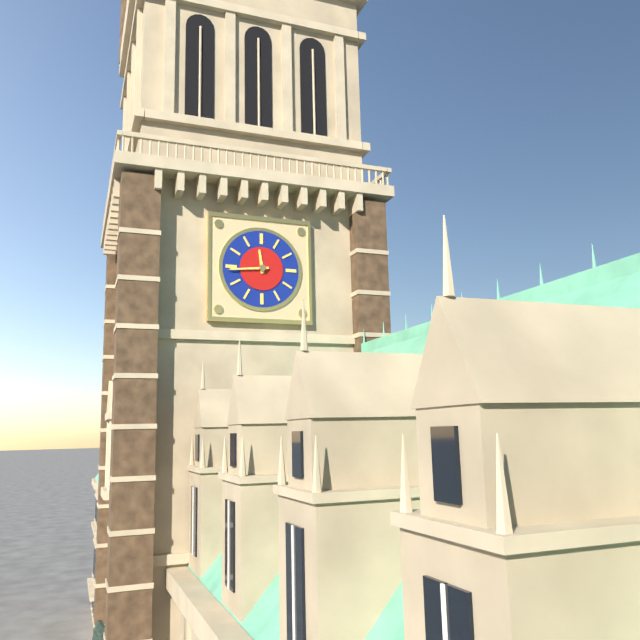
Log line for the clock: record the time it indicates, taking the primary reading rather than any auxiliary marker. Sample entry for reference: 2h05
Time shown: 11h44
